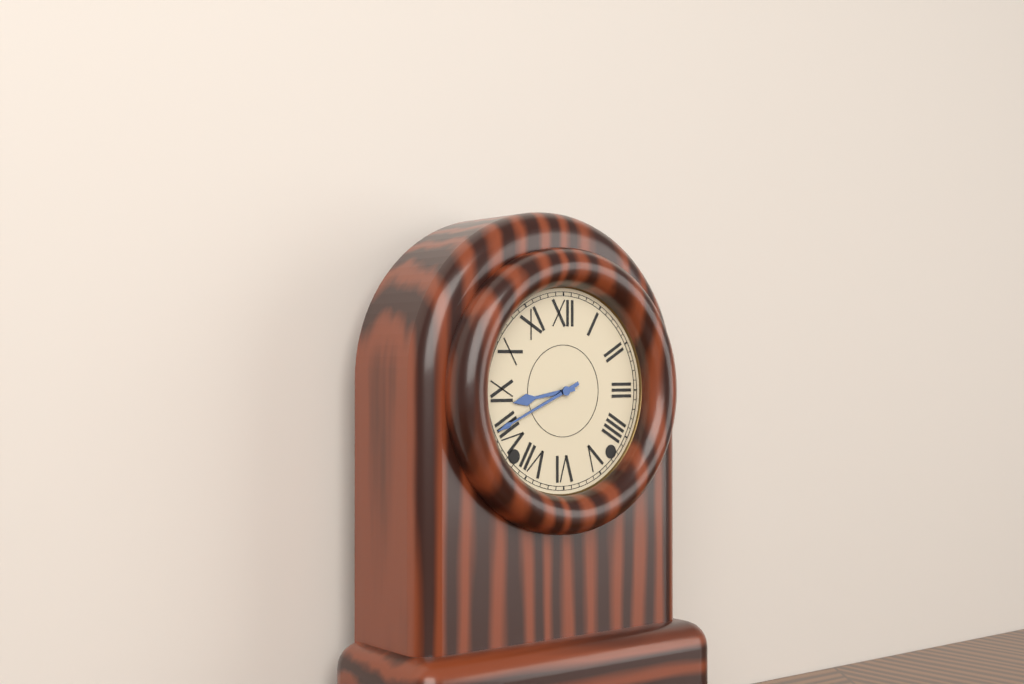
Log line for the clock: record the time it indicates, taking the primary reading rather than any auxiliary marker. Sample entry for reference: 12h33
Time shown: 8h41
